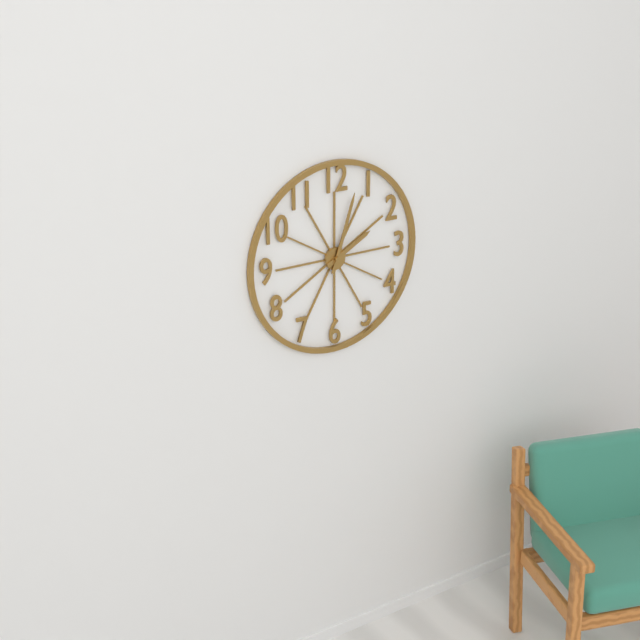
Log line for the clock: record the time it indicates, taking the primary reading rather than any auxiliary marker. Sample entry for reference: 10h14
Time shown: 2h03
